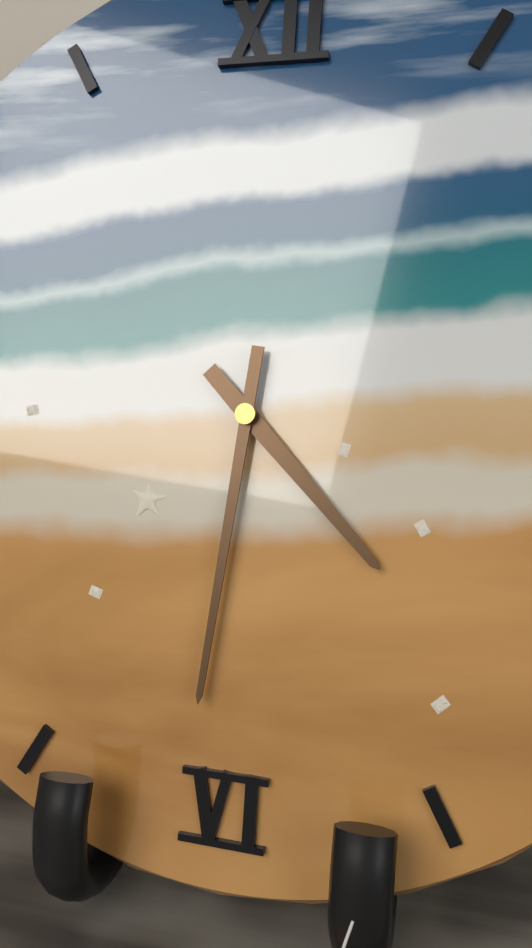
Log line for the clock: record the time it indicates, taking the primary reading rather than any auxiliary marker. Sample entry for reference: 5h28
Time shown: 4h31
